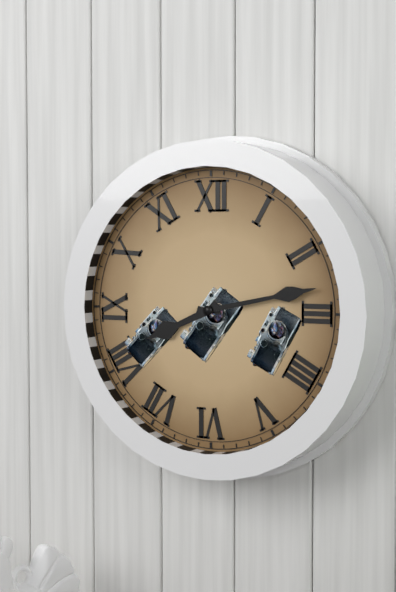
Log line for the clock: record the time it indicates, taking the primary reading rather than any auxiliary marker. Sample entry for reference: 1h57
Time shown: 8h13
